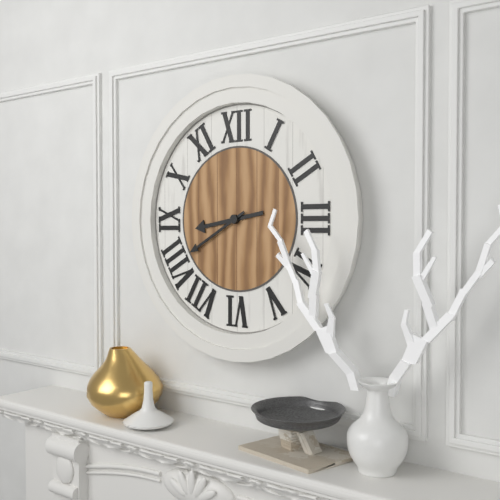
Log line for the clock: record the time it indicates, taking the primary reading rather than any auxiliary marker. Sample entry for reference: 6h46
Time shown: 8h40
